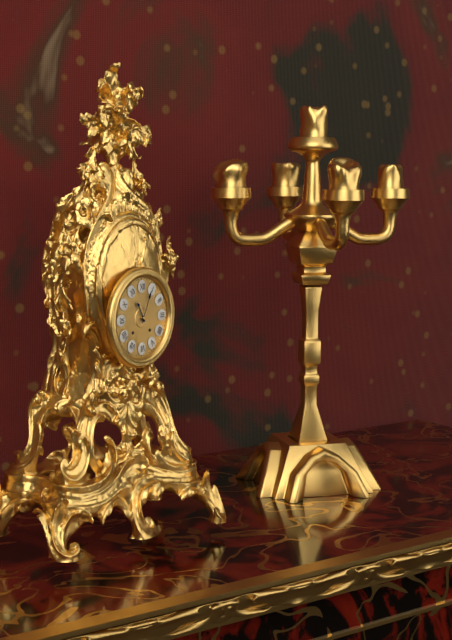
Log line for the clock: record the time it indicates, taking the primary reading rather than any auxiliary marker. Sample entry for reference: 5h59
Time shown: 11h04
